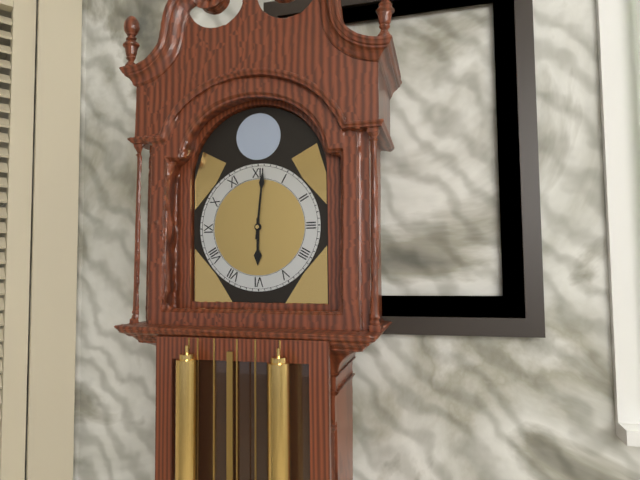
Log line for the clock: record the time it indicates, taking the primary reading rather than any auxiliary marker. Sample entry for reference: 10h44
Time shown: 6h01
